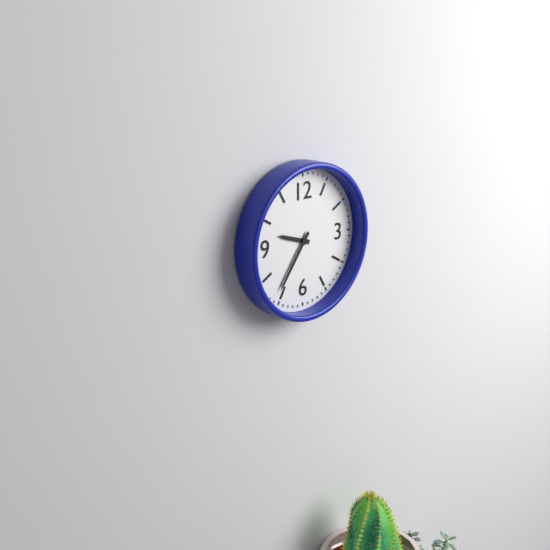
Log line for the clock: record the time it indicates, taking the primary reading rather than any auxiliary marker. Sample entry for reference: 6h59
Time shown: 9h36
